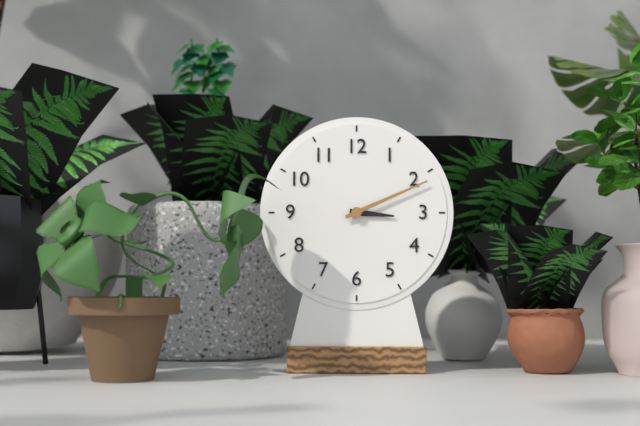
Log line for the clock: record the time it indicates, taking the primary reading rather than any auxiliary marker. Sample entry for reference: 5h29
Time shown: 3h11
